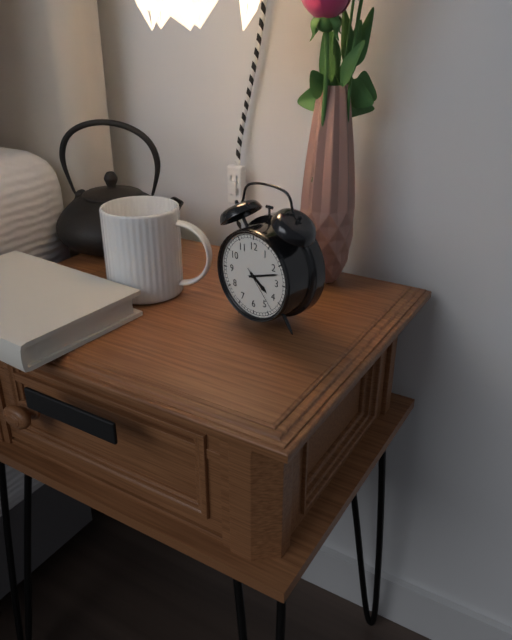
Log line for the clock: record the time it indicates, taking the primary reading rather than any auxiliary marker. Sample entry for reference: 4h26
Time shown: 4h12
